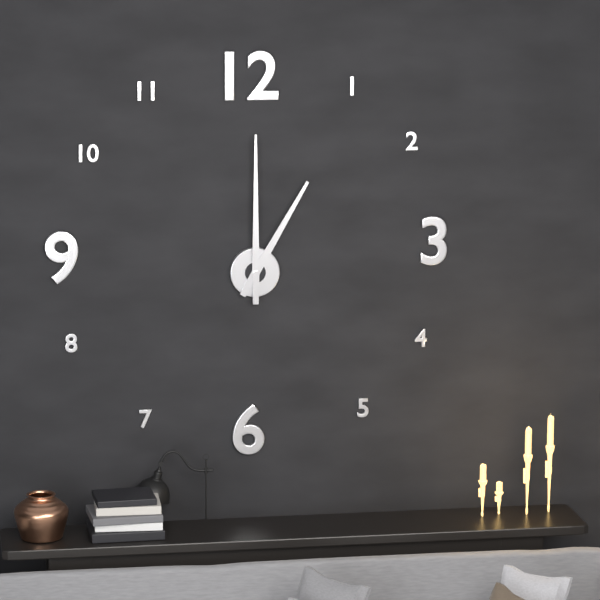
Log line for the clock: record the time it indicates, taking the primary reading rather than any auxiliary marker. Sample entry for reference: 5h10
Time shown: 1h00
